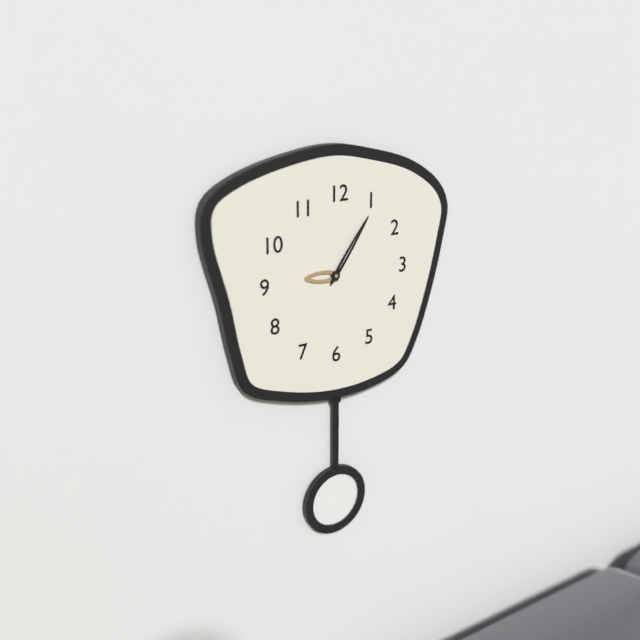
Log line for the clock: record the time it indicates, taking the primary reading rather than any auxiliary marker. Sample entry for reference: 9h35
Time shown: 9h06
